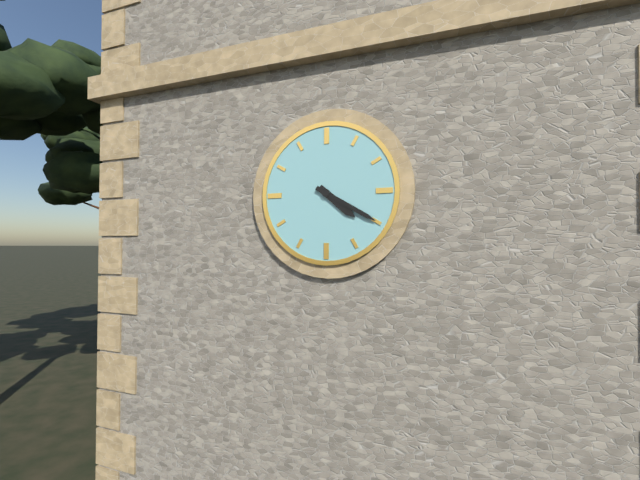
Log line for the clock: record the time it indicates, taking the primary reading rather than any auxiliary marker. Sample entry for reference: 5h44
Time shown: 4h20
